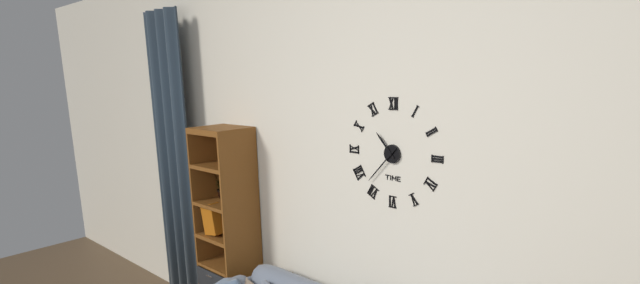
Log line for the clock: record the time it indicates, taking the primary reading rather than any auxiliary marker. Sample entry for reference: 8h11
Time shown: 10h37
